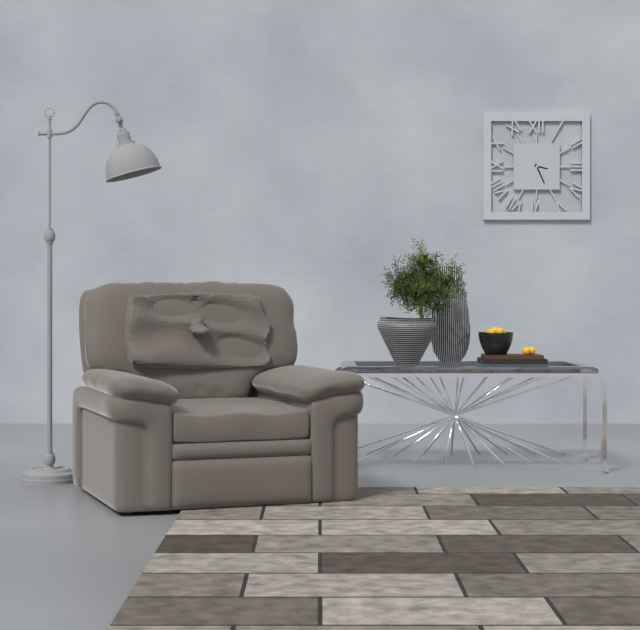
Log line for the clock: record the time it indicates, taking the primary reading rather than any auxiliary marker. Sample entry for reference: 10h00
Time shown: 3h26
